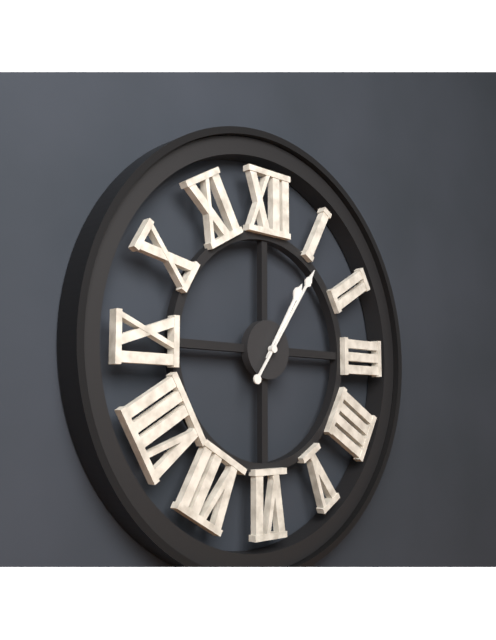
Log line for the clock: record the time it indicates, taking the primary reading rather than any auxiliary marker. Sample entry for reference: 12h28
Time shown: 1h06
